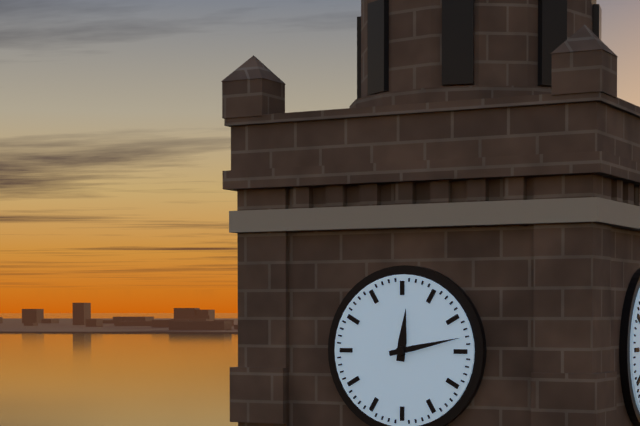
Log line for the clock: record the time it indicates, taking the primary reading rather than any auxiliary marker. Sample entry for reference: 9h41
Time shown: 12h13
